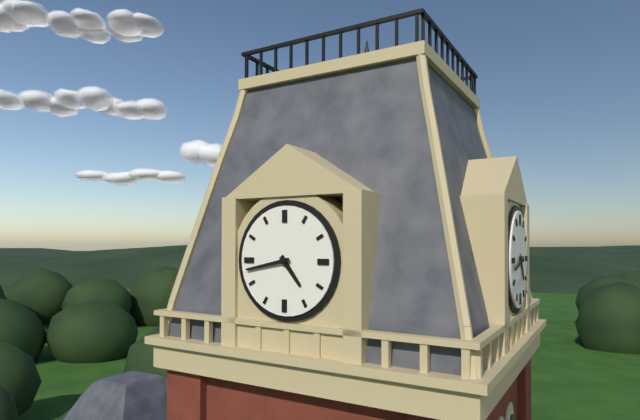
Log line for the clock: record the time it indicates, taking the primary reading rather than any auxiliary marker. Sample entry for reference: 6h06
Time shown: 4h43
